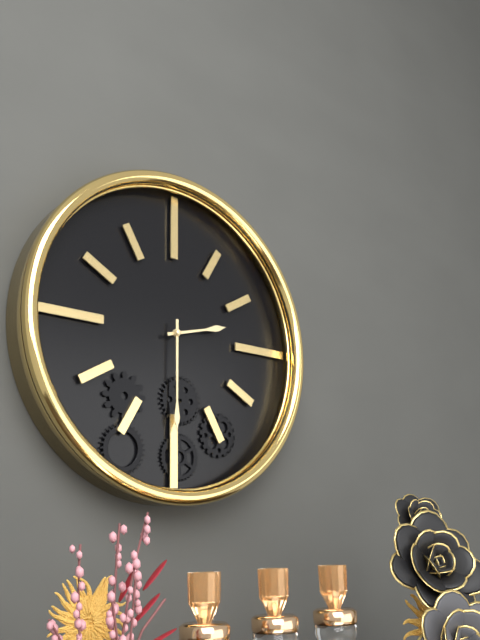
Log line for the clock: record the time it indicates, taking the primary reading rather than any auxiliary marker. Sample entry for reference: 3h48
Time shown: 2h30
